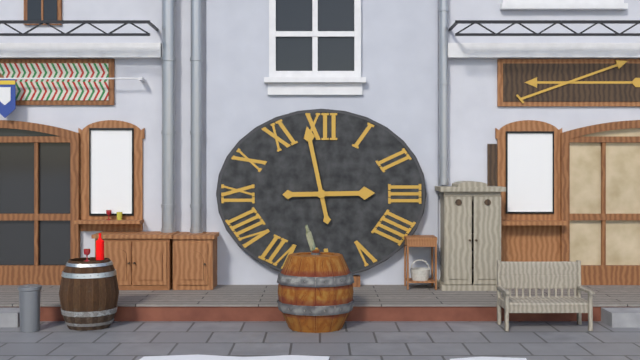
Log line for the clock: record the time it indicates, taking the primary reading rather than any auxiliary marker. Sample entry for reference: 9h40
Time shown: 2h58
